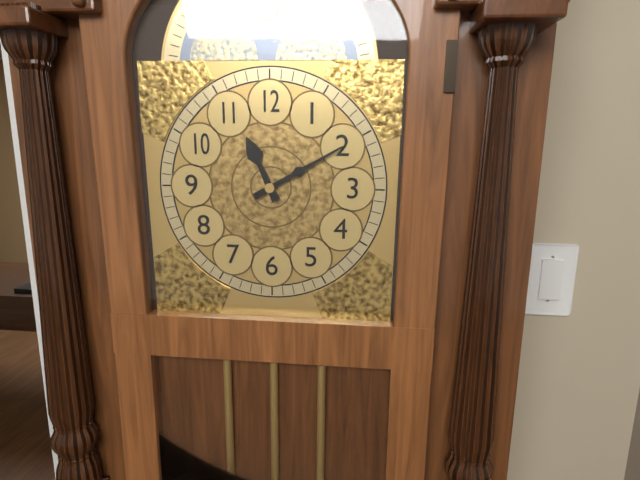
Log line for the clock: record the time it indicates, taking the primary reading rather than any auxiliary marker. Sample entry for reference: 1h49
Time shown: 11h10
